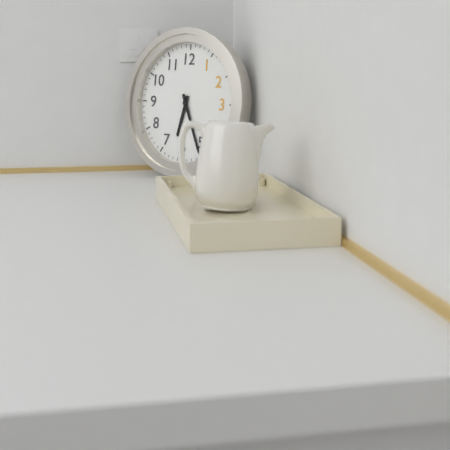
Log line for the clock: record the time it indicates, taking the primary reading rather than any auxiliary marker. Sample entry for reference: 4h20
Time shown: 6h26
